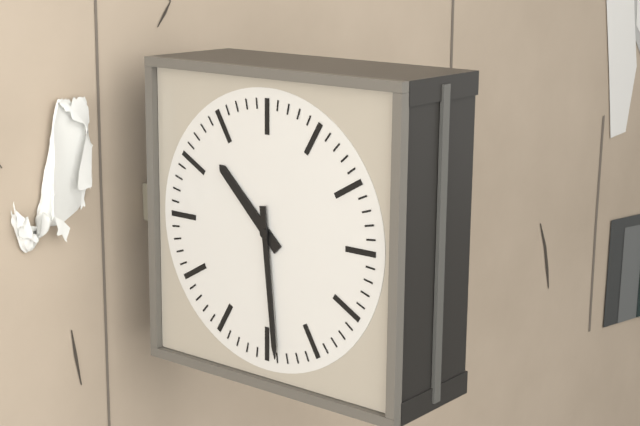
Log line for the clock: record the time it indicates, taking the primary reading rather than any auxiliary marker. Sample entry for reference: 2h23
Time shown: 10h29
